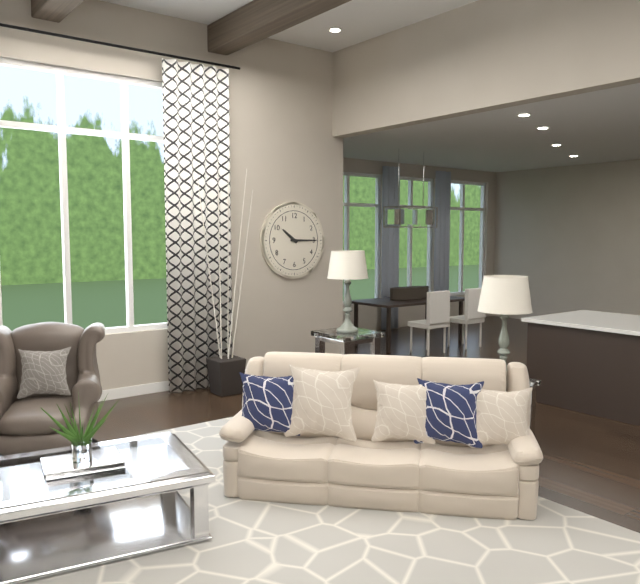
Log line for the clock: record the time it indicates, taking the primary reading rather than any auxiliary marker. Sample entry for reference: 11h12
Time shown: 10h15
